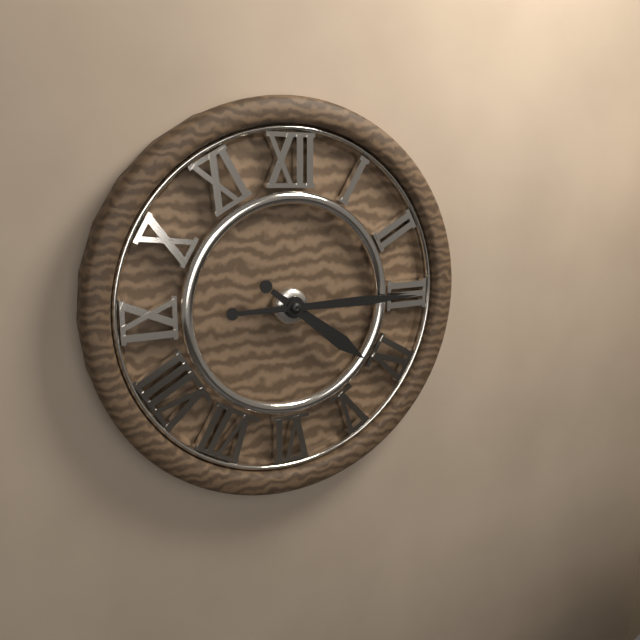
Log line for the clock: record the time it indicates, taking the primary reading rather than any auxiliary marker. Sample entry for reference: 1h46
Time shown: 4h15
